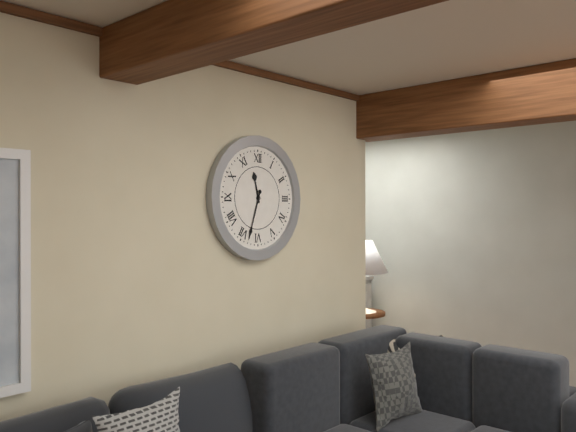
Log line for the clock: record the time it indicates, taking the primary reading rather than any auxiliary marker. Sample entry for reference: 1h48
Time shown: 11h33
